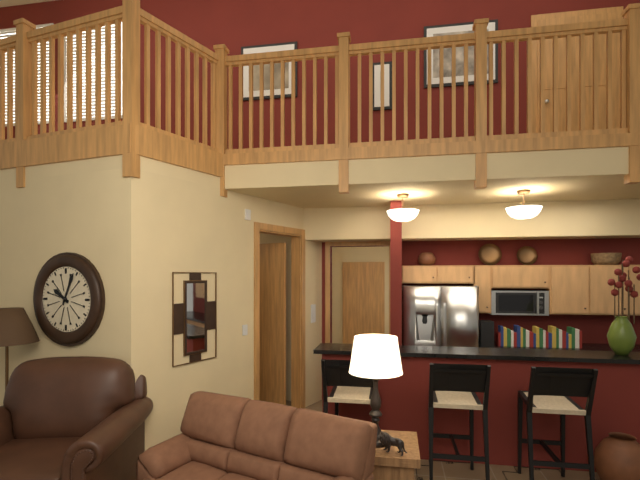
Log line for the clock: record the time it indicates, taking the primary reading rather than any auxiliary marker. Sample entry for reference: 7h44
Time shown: 10h04
